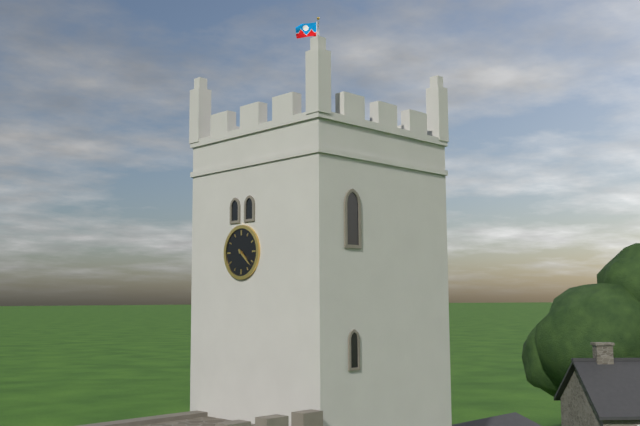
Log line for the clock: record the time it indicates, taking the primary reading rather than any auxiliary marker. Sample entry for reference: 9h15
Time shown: 4h22
